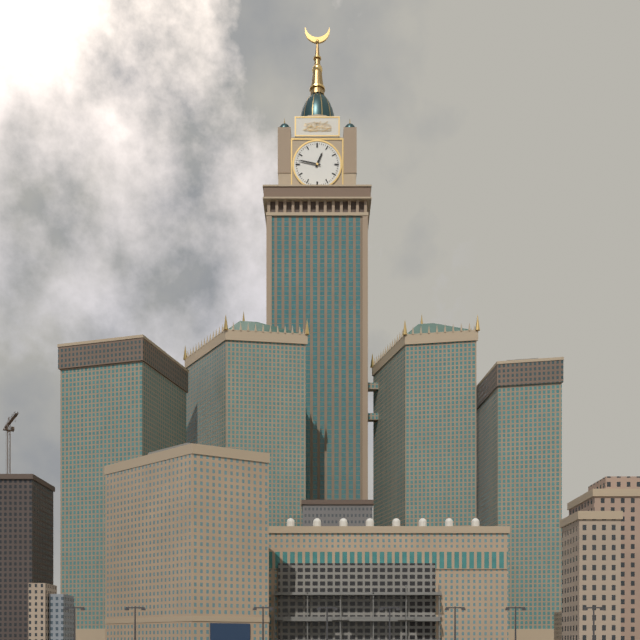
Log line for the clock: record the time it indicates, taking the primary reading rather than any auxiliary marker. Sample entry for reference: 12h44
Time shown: 12h47
